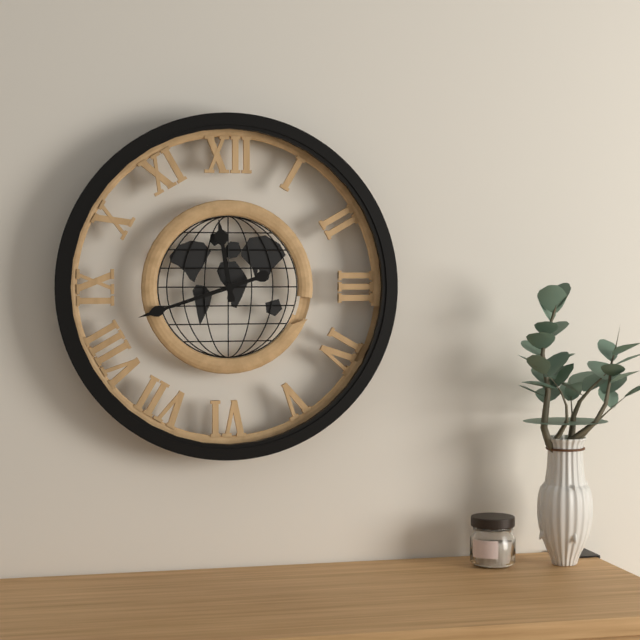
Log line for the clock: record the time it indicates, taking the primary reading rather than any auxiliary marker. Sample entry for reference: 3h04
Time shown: 11h42
